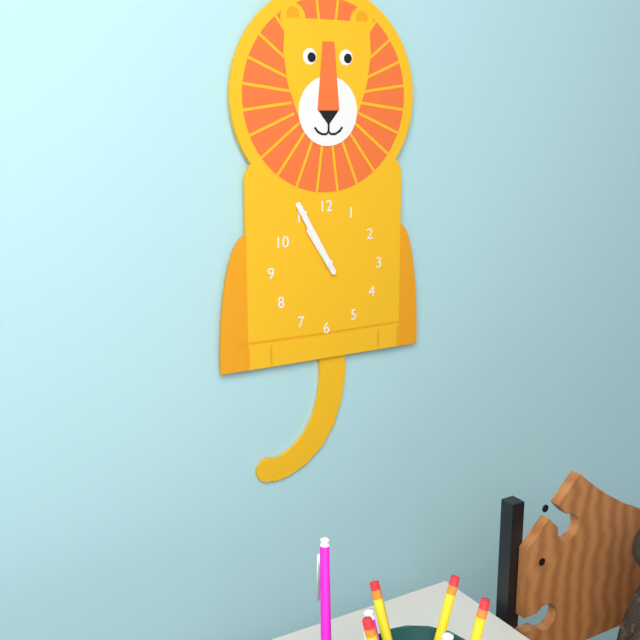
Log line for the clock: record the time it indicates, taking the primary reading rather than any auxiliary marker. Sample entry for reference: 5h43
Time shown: 10h55
